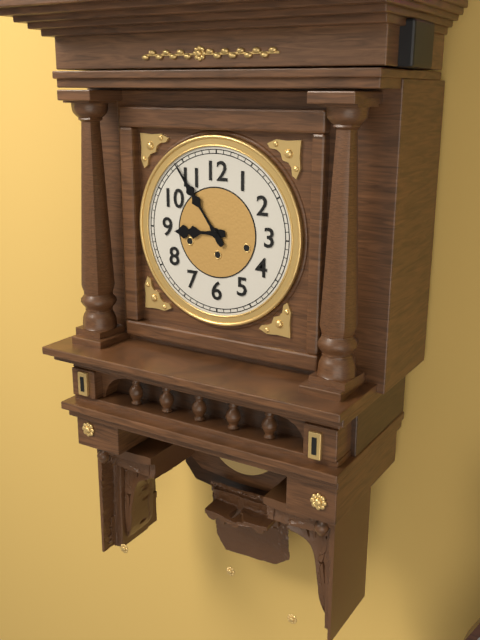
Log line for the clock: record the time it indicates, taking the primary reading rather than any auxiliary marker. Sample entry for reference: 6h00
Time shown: 8h54
